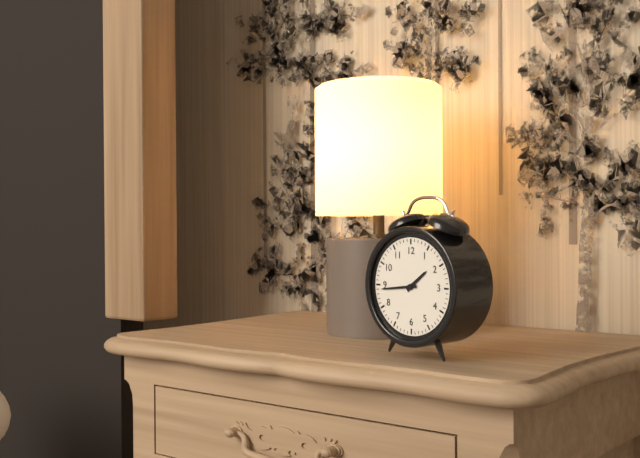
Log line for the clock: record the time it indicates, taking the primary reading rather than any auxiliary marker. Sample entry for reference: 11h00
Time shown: 1h44
